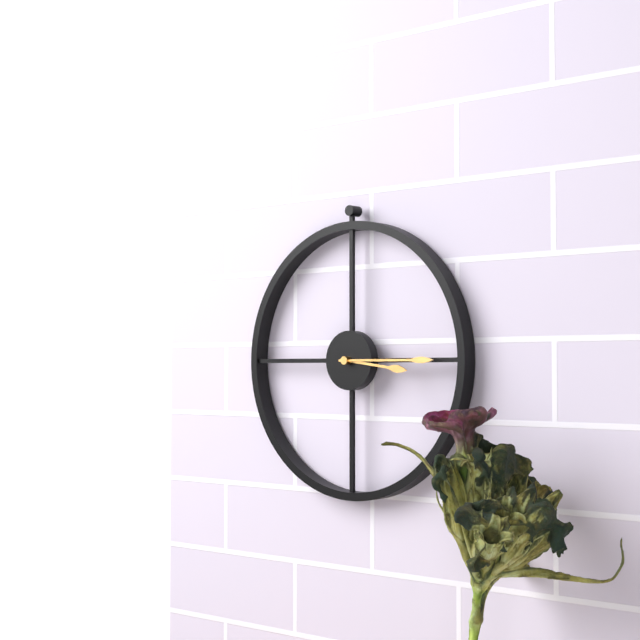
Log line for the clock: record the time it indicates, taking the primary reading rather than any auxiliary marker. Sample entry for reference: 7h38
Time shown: 3h15
